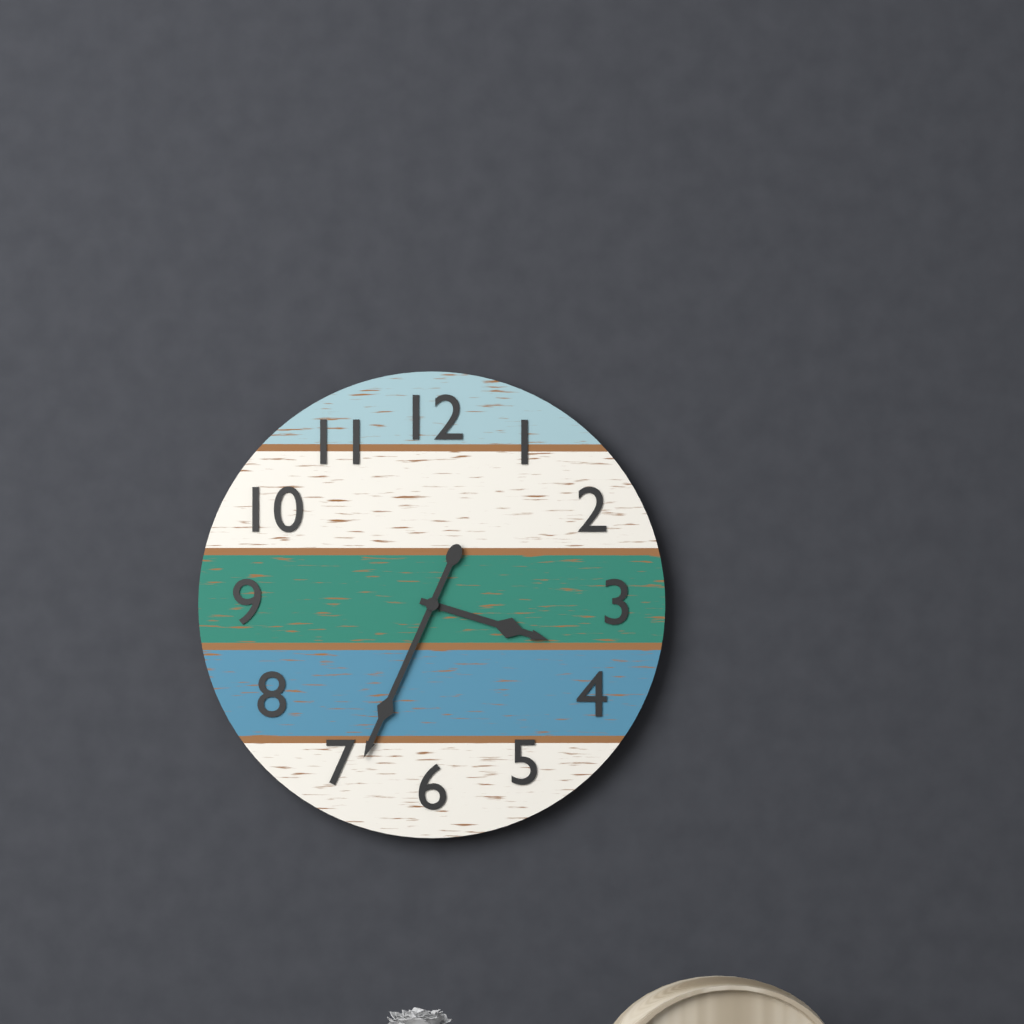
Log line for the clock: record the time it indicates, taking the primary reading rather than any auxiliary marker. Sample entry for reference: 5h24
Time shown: 3h34
